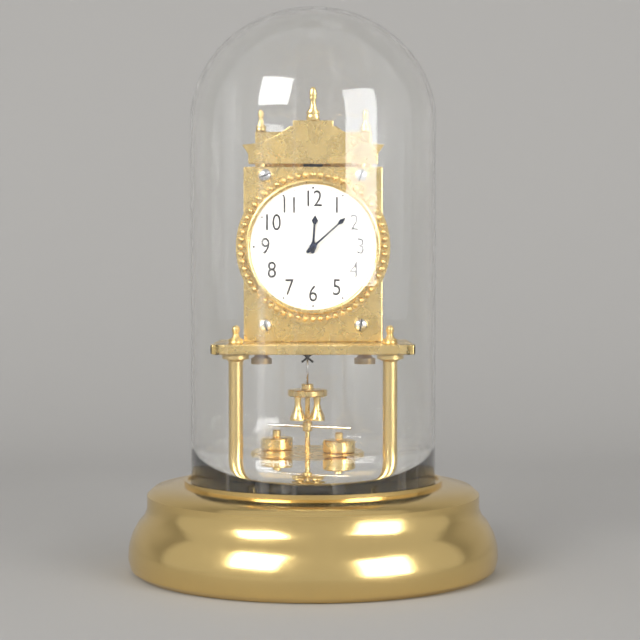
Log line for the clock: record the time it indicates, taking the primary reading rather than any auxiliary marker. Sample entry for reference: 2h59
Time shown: 12h08
